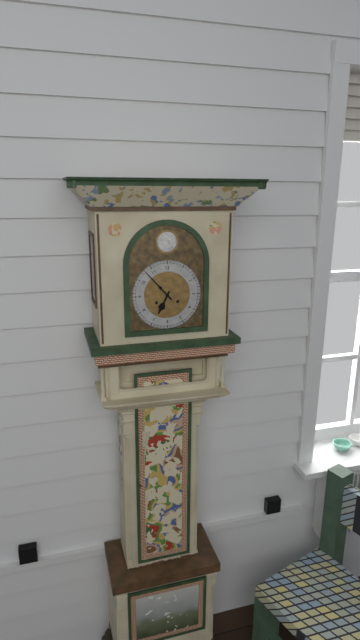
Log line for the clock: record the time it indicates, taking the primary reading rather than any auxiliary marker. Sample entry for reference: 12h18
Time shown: 6h53
